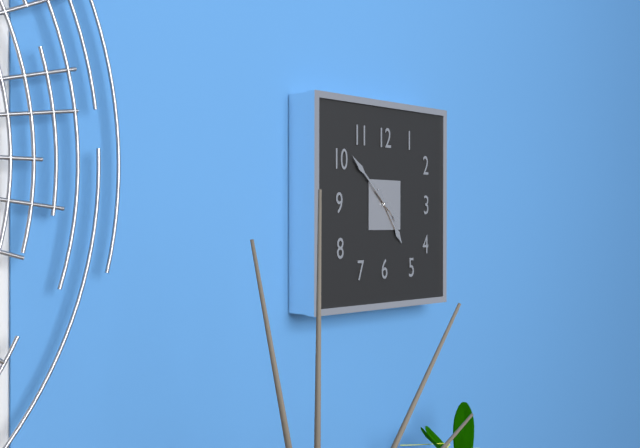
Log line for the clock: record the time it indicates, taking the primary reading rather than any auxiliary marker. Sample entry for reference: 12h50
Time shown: 4h52
